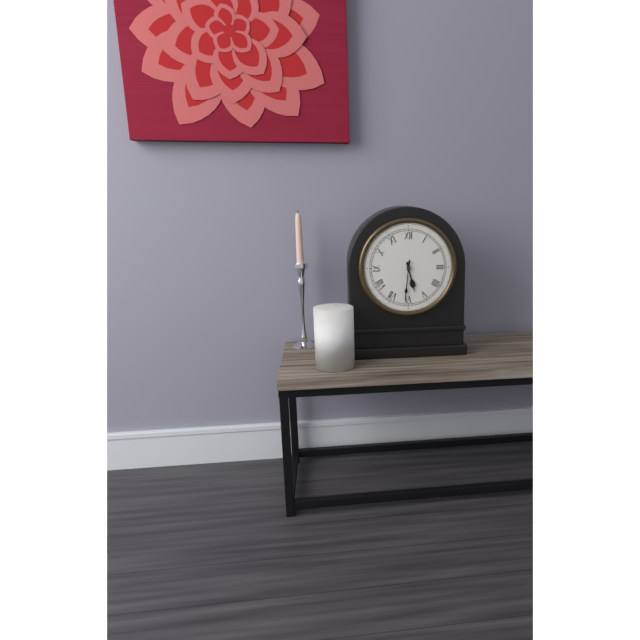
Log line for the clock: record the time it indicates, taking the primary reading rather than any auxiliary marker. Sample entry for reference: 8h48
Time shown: 5h31
